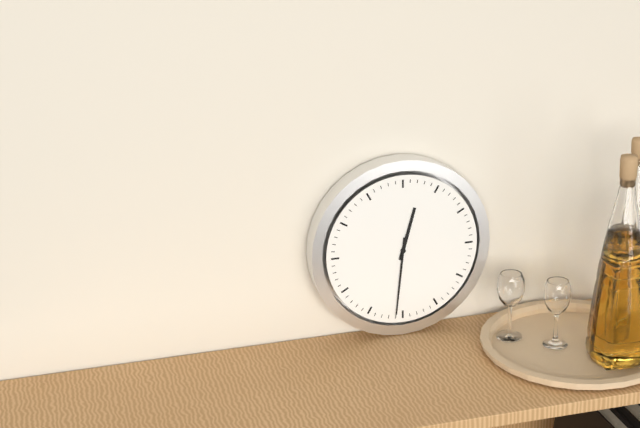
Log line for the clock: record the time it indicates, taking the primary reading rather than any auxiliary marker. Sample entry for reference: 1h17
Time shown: 12h31
